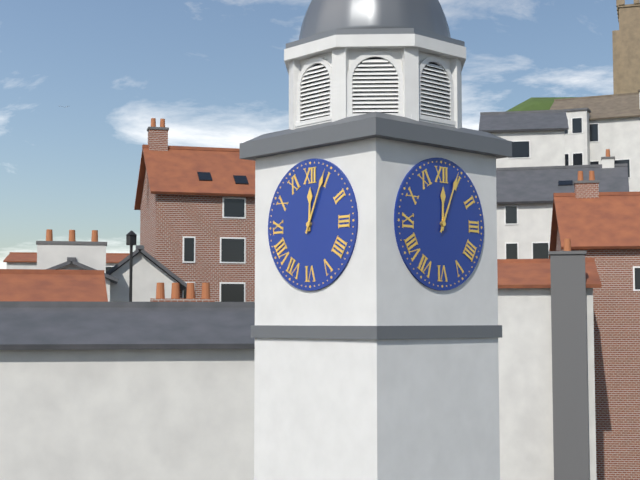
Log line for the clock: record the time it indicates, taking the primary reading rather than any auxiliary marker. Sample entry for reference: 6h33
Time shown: 12h04
